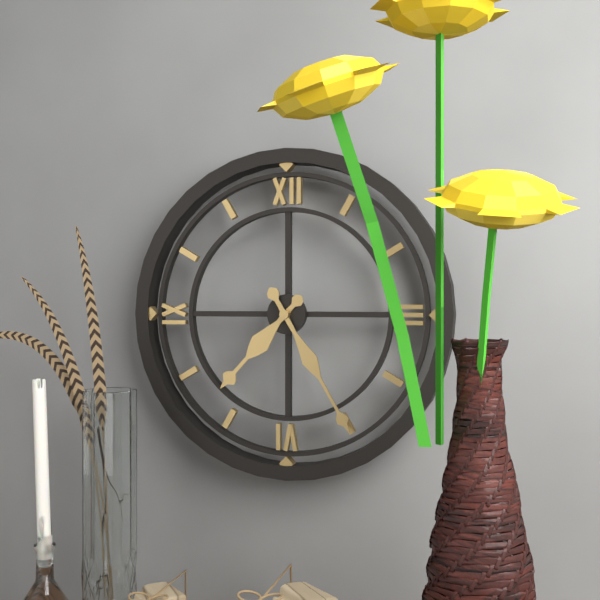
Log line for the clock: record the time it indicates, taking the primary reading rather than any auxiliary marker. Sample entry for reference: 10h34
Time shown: 7h25
